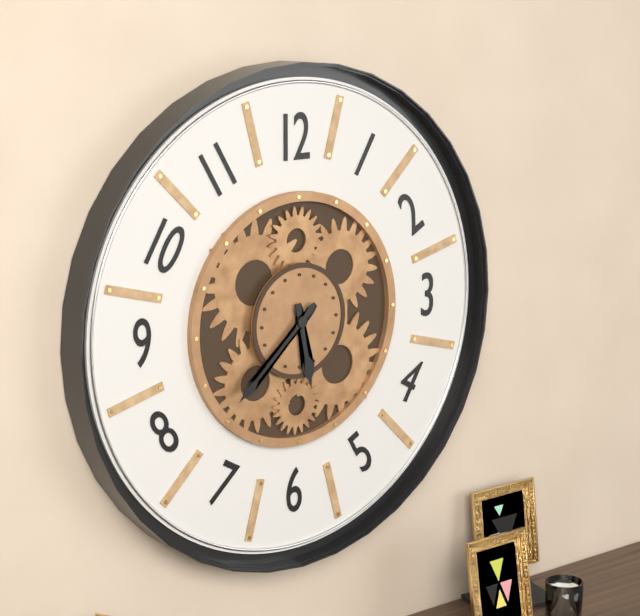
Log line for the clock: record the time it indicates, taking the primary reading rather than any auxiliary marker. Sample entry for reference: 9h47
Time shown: 5h38
